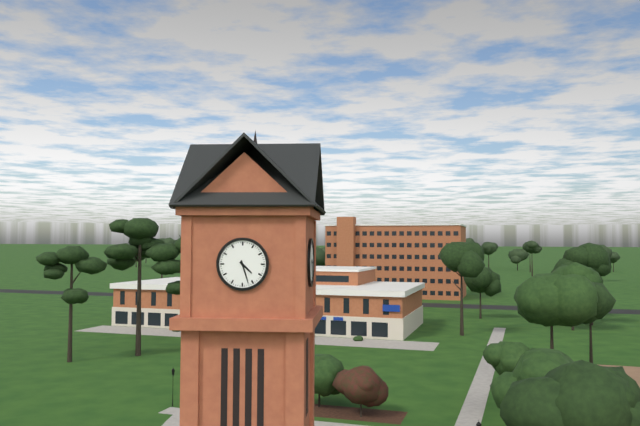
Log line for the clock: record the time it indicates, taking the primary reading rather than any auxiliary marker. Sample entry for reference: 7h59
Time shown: 4h27
